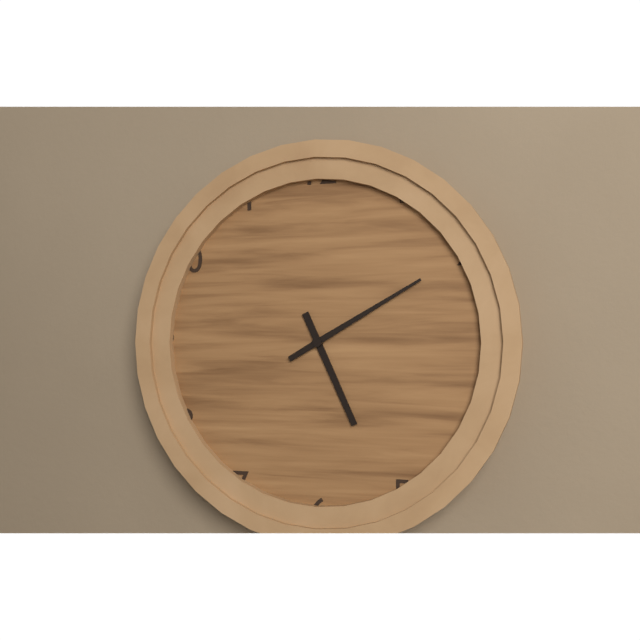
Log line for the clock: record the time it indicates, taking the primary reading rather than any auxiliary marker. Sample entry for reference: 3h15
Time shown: 5h10
